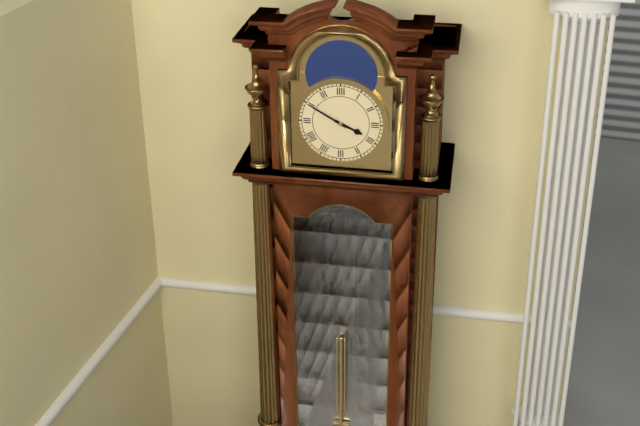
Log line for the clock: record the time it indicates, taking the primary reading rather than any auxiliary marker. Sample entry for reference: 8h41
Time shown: 3h50
